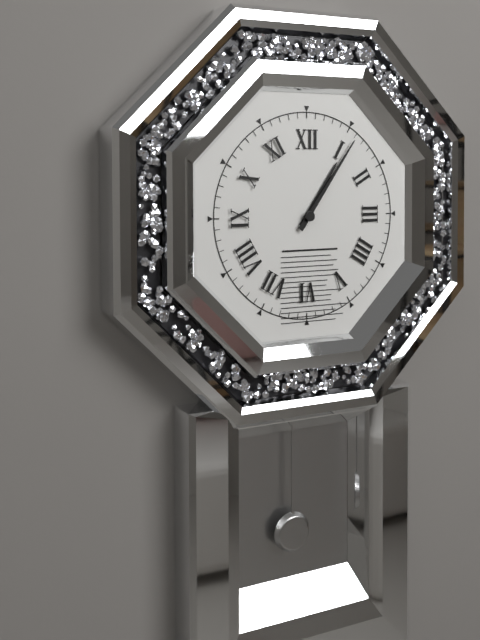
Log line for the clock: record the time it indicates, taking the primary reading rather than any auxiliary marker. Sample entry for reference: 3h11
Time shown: 1h06
